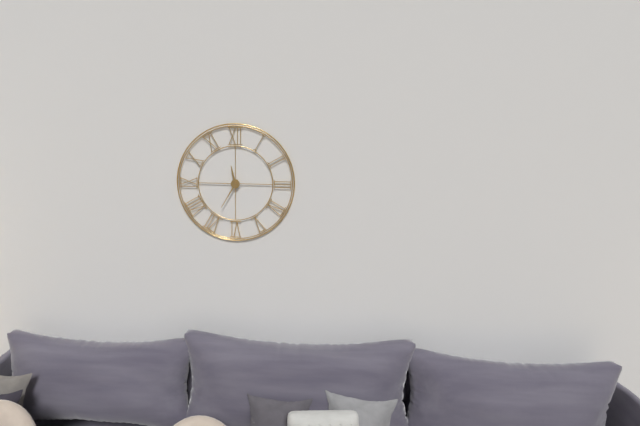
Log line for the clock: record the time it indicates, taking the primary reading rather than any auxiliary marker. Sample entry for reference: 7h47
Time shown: 11h35
